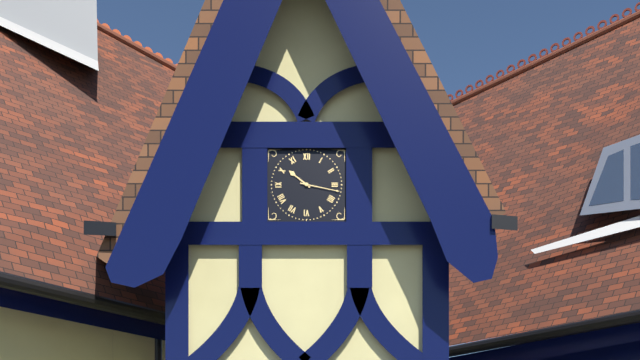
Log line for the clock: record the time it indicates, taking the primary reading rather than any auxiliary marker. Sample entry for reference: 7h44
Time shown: 10h17
